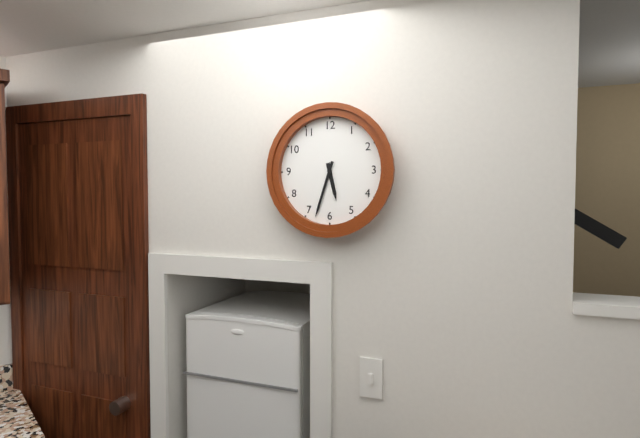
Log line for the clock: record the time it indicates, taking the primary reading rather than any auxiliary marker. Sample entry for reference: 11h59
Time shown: 5h33
